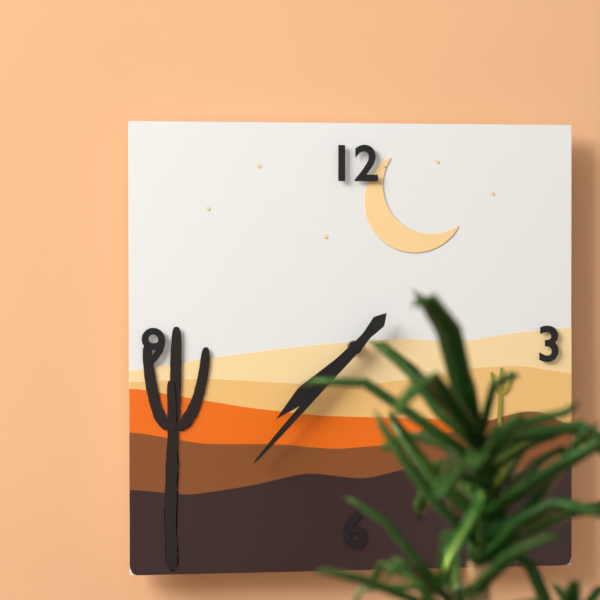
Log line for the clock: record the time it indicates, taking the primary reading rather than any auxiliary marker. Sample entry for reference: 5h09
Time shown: 7h37
